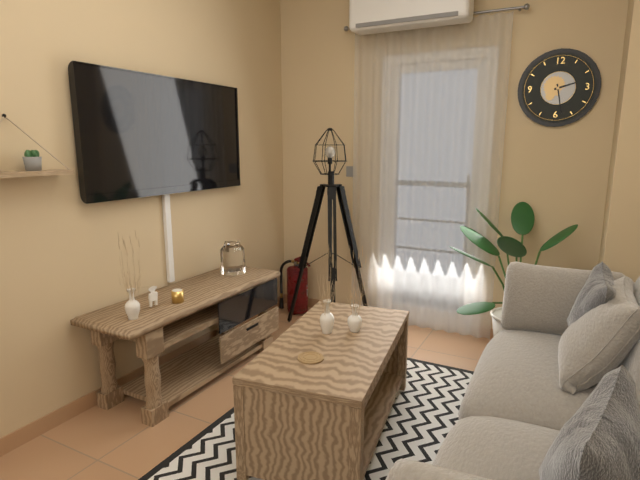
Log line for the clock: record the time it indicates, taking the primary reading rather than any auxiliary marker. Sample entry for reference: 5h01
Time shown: 2h28
